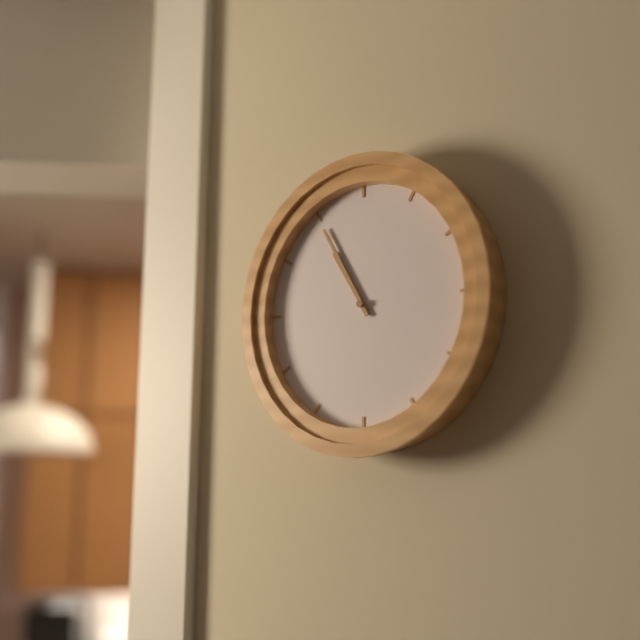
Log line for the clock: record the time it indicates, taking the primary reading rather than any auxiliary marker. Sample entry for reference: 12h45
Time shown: 10h55
